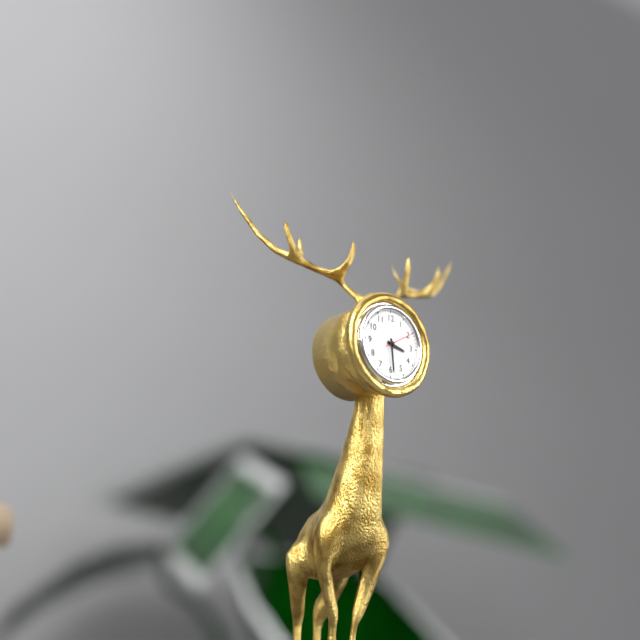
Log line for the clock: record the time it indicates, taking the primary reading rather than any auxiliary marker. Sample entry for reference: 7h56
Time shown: 3h29
